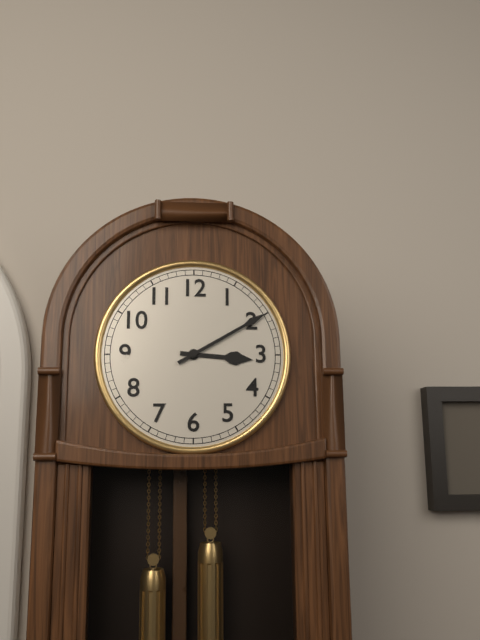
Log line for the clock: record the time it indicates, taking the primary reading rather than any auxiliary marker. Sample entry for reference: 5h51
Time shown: 3h10
